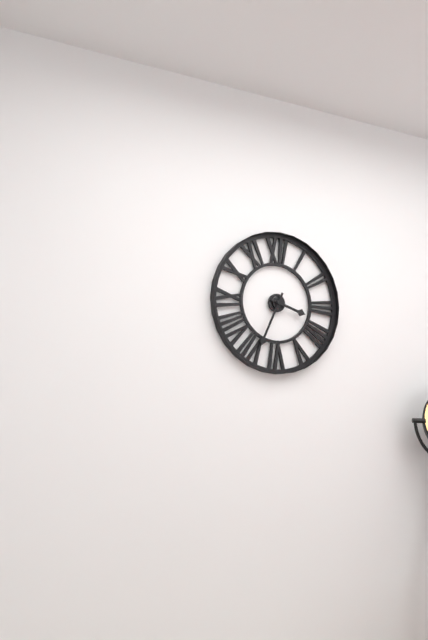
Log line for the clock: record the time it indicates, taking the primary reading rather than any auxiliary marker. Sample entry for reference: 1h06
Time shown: 3h34
